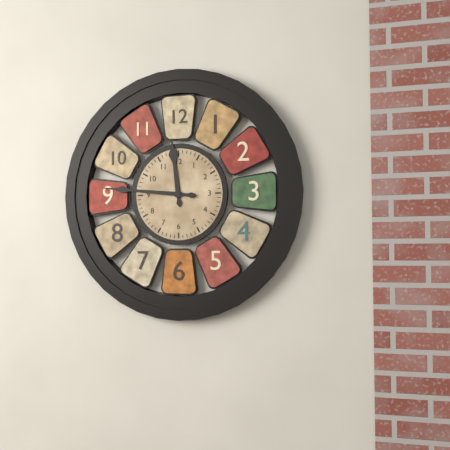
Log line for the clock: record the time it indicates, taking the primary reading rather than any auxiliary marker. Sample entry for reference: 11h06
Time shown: 11h46
